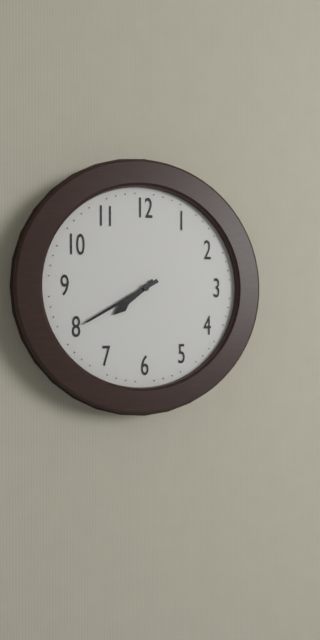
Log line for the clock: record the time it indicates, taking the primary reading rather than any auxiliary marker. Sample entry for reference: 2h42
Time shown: 7h40
